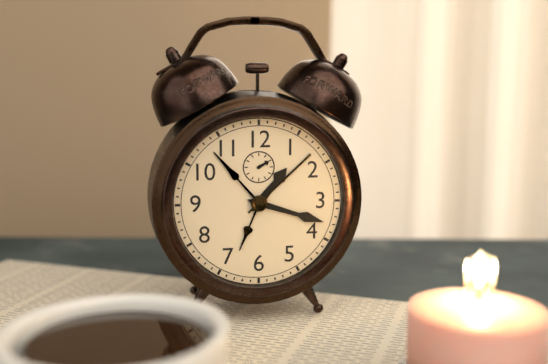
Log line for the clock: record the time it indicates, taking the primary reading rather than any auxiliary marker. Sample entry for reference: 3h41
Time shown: 1h18
